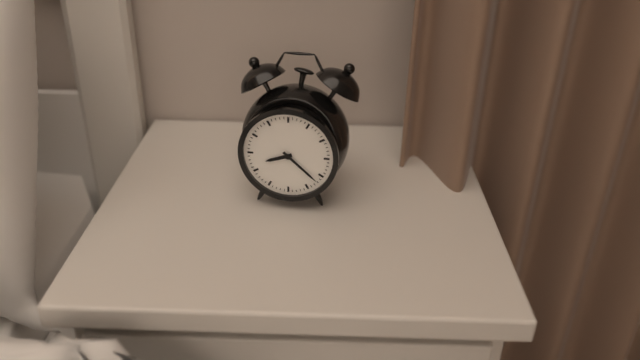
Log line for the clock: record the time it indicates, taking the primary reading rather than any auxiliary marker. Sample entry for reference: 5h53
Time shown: 8h22
